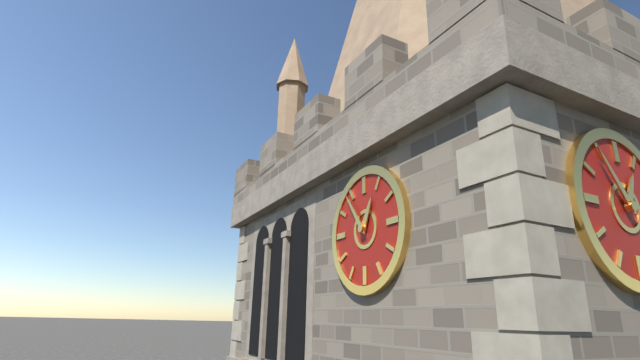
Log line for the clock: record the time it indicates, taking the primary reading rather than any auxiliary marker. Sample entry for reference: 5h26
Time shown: 12h54
